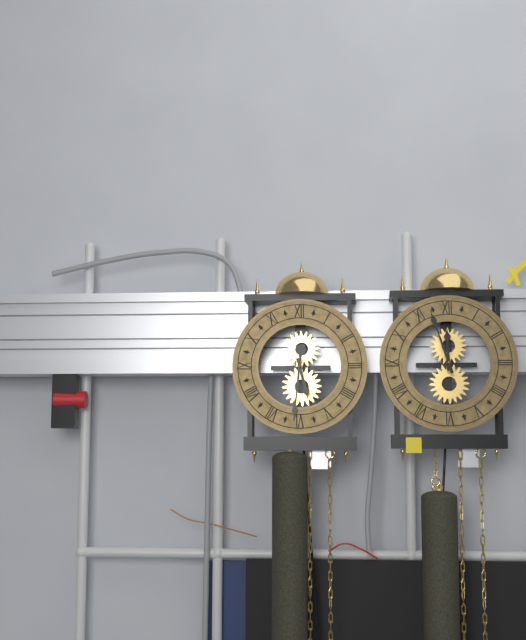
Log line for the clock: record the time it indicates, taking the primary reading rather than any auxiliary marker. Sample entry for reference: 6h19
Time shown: 5h31
